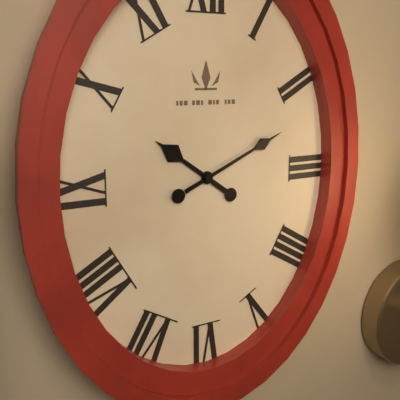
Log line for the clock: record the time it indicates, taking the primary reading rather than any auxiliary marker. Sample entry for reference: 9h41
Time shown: 10h11
